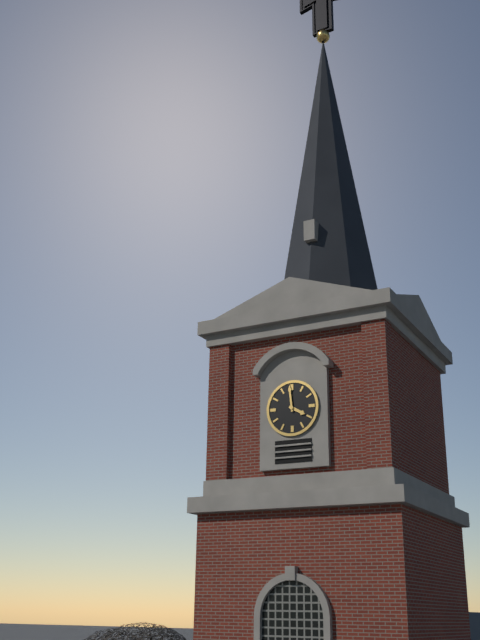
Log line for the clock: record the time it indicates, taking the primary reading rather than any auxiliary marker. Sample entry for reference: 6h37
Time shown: 3h59
